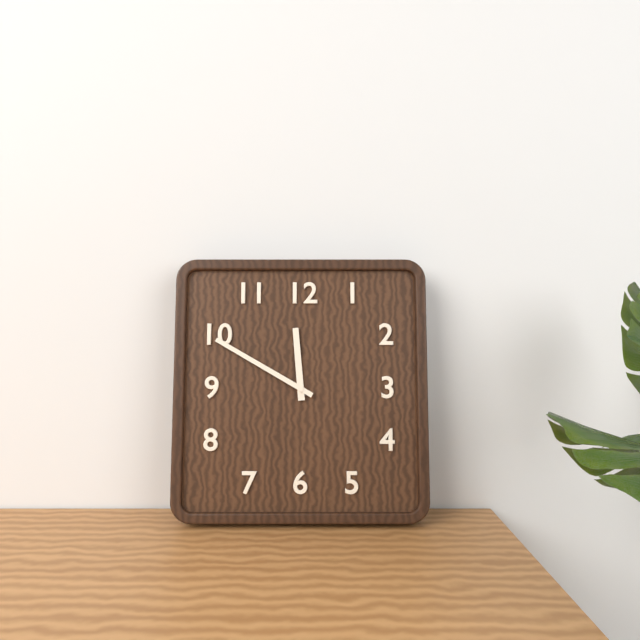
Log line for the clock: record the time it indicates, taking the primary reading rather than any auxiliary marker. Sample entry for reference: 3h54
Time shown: 11h50
